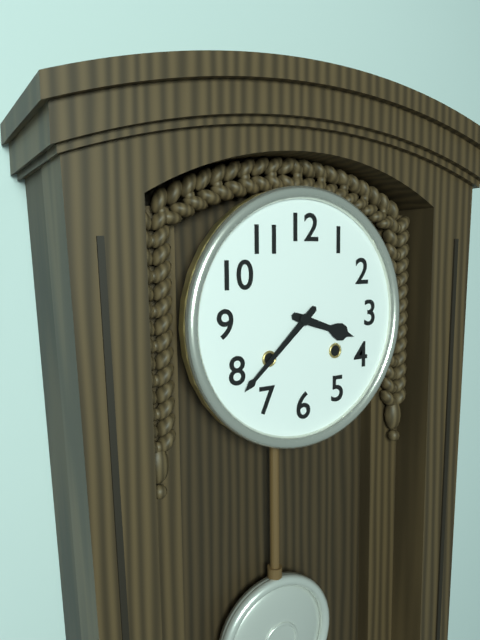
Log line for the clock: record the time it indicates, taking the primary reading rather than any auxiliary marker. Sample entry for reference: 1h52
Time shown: 3h38
